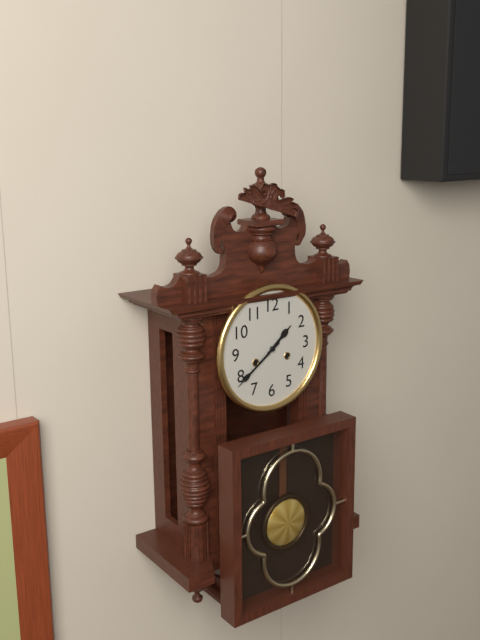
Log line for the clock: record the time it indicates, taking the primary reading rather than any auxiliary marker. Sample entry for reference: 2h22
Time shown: 1h39
